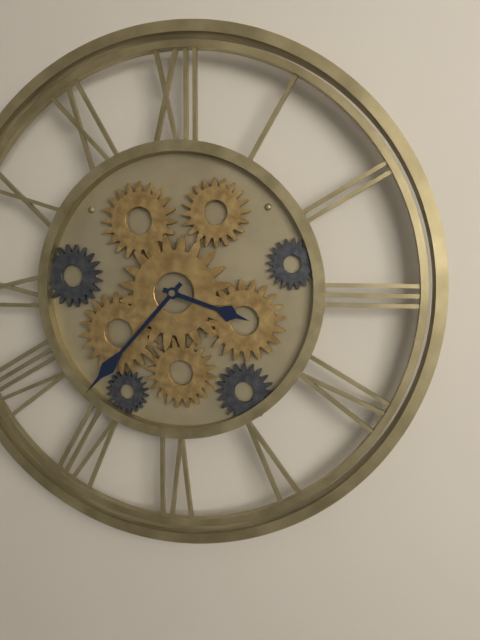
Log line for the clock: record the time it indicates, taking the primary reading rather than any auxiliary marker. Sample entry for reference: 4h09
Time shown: 3h37
